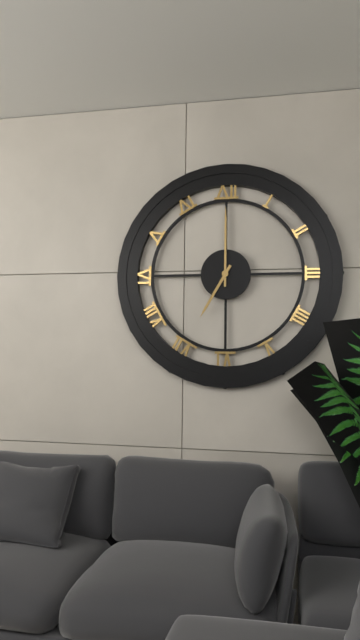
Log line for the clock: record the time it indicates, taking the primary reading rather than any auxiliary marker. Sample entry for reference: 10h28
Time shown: 7h00
